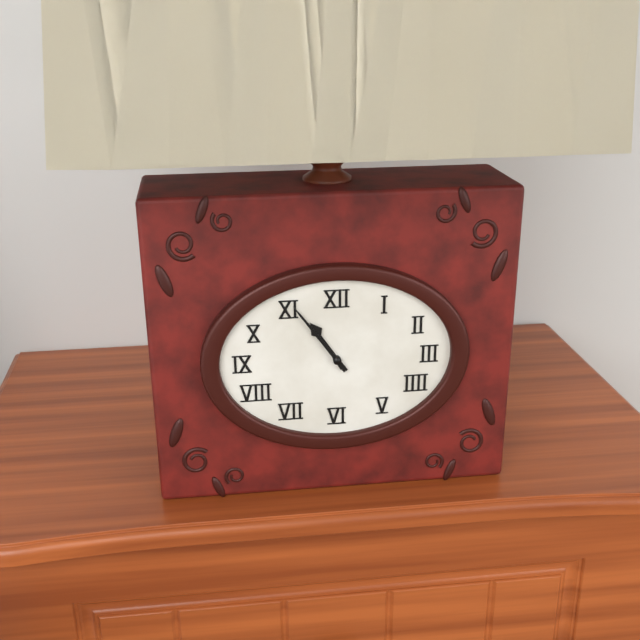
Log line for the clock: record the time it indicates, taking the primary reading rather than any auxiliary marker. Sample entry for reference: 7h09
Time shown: 10h54
